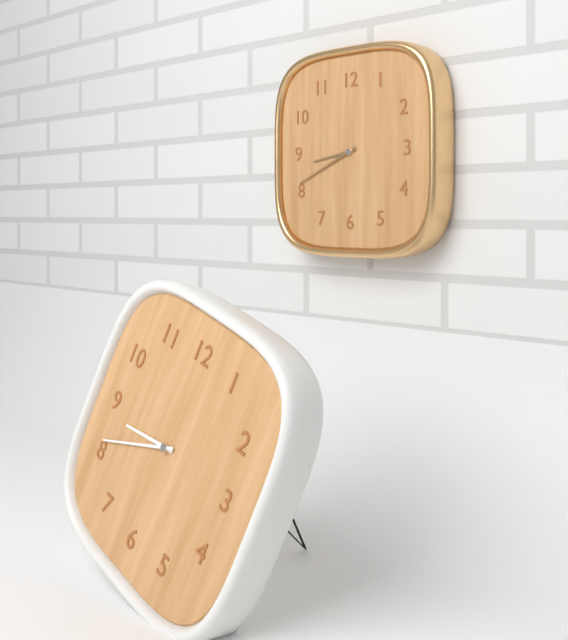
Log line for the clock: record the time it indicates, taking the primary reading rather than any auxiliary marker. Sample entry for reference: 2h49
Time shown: 8h41
